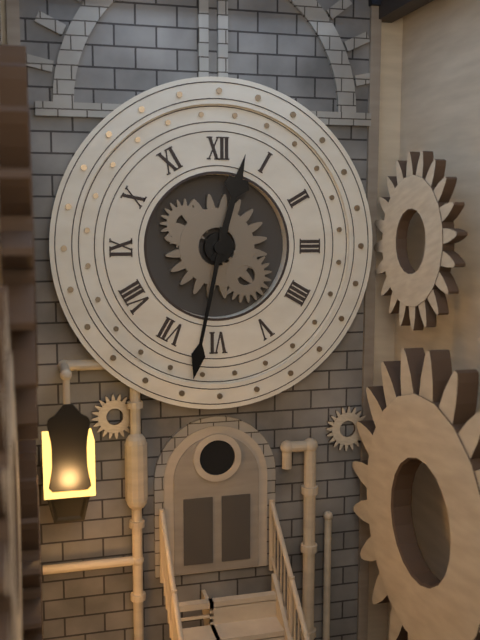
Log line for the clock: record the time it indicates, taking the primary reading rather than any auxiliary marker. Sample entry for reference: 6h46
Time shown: 12h32
